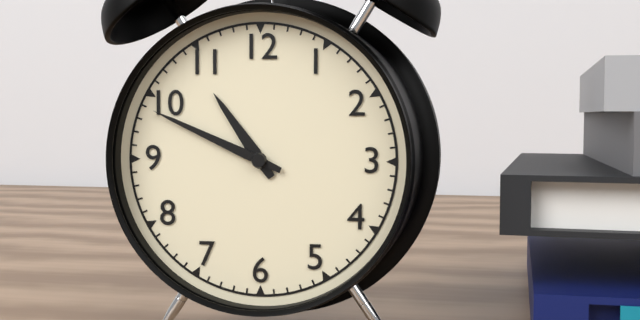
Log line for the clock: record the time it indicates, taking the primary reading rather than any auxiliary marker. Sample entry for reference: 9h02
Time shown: 10h49
